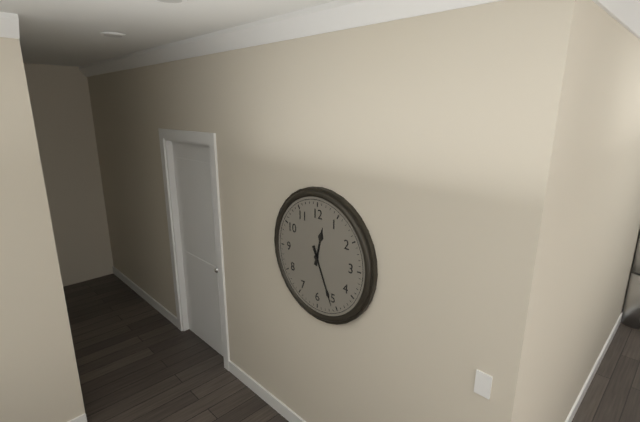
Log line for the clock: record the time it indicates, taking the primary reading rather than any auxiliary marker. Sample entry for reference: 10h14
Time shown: 12h26
